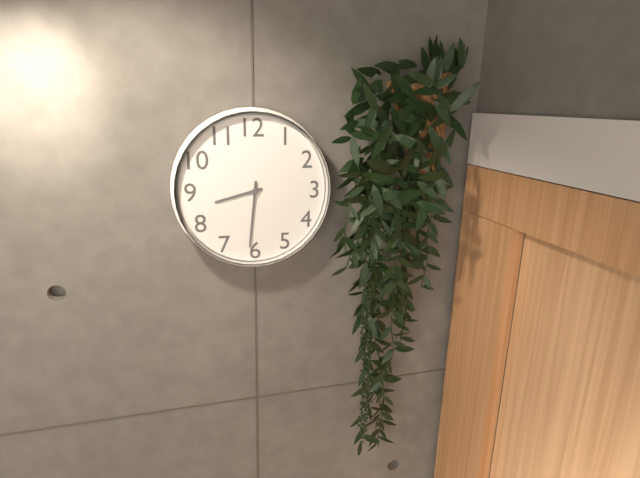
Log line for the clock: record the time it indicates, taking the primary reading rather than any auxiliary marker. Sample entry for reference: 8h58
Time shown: 8h31
